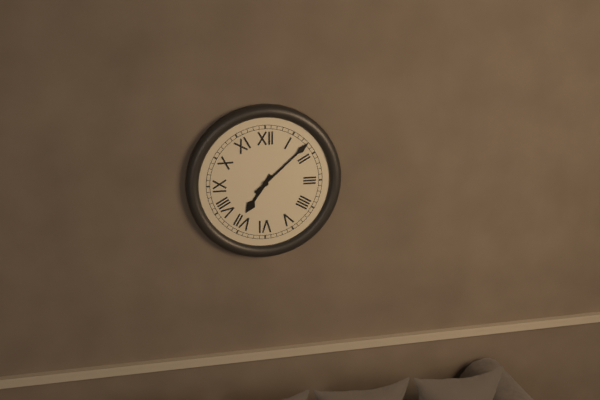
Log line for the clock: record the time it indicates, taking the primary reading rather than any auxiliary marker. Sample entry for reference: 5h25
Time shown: 7h08
